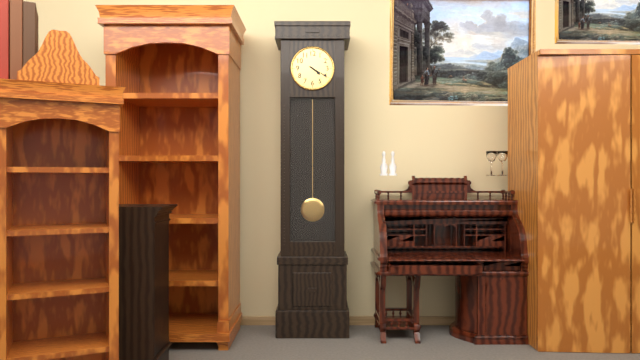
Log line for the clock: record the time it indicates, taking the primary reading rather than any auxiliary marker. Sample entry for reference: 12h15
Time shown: 4h20
